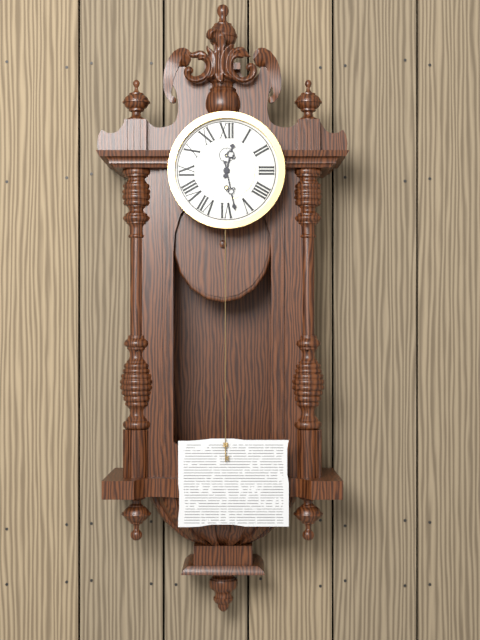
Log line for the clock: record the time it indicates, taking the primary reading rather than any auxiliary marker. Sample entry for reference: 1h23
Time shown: 12h28
